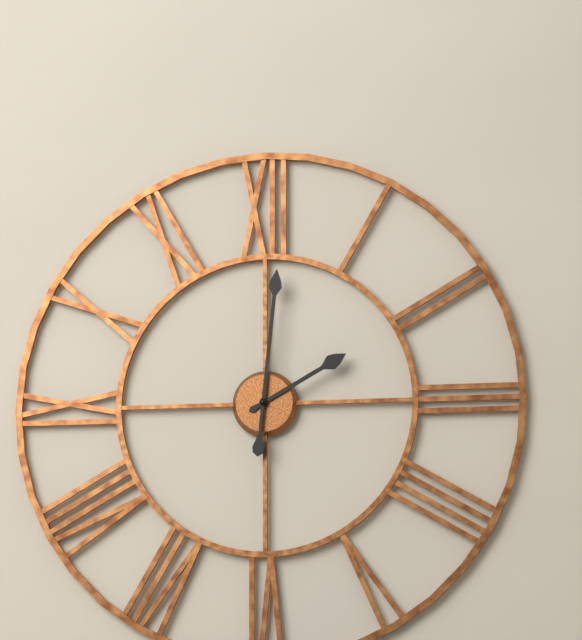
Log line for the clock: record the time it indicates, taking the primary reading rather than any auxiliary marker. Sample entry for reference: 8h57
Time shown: 2h01
